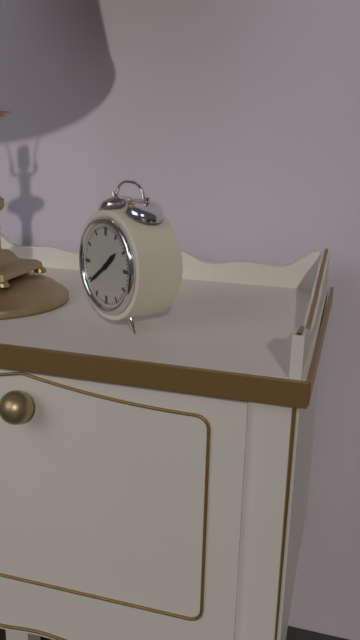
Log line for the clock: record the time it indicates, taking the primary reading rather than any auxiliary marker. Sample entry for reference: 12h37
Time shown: 1h39
